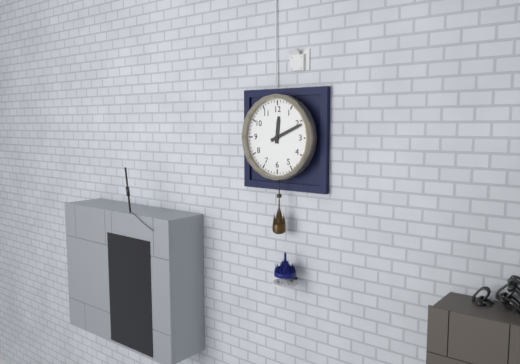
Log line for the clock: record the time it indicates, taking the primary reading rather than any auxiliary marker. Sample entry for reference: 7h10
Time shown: 12h11
